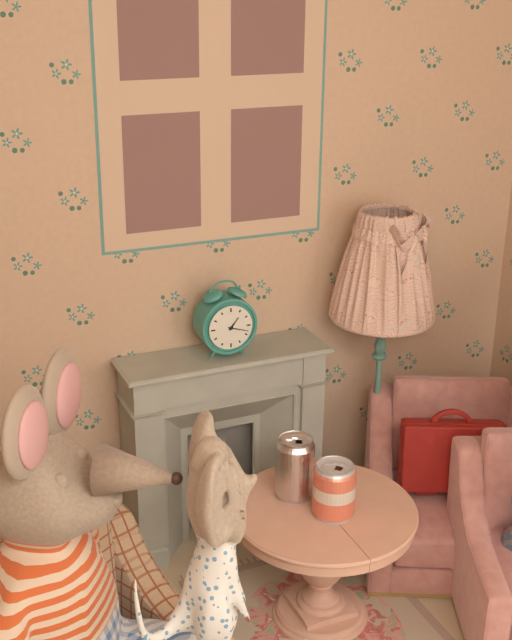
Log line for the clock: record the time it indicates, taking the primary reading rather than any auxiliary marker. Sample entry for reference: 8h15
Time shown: 1h18
